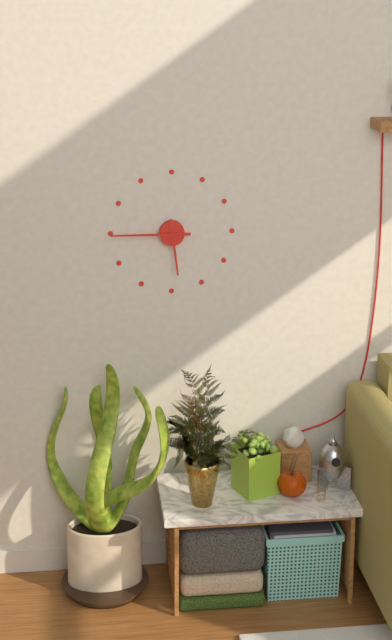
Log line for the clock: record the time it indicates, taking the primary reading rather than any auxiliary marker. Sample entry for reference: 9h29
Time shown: 5h45
